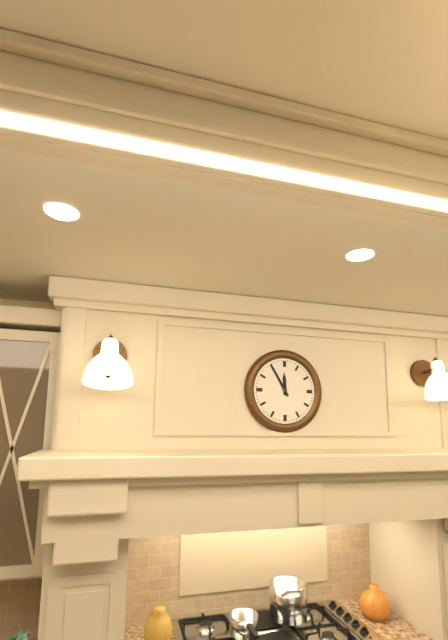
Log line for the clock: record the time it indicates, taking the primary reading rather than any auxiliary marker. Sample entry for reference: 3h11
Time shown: 11h55
